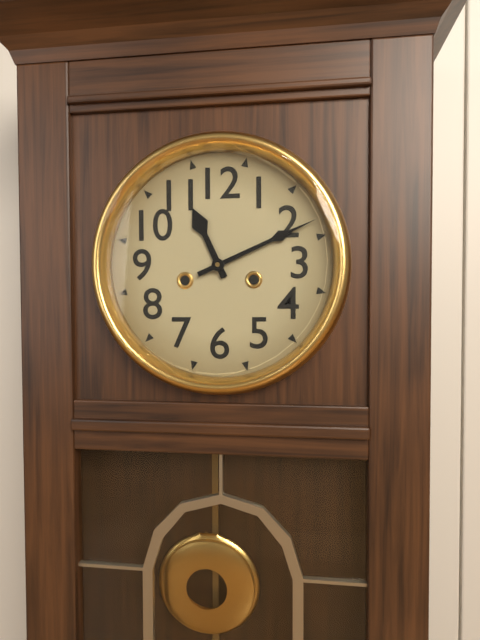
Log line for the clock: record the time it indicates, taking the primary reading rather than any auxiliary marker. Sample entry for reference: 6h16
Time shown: 11h11
